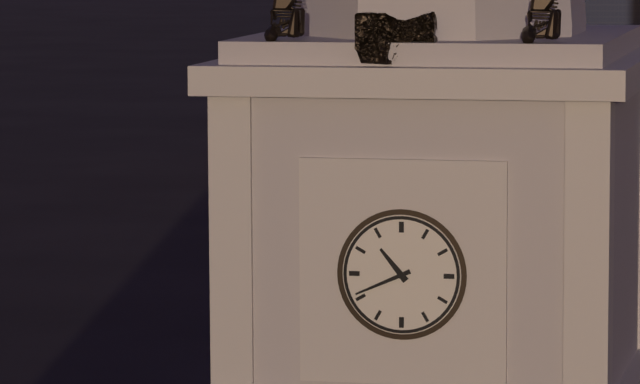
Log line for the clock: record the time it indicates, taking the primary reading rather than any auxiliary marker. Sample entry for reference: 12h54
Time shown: 10h41
